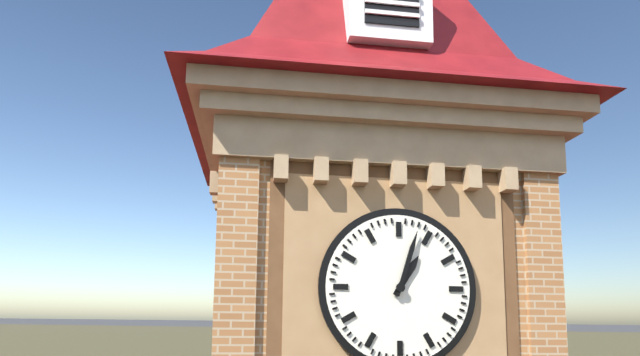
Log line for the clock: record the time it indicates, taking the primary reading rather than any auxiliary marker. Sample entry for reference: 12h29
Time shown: 1h03
